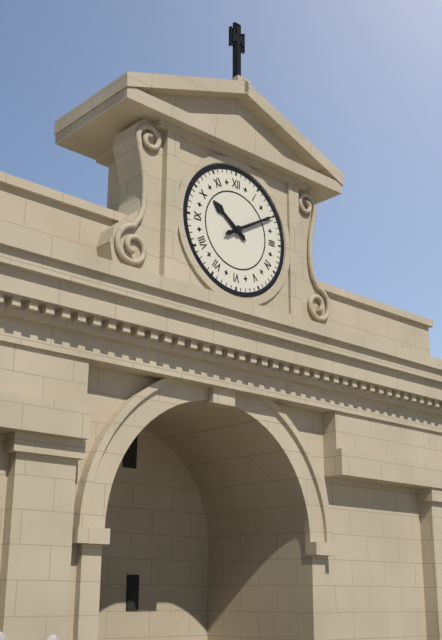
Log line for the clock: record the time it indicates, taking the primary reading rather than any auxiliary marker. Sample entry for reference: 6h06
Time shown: 10h10
